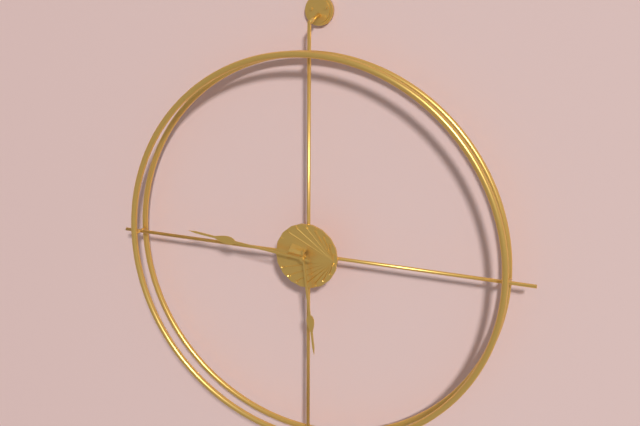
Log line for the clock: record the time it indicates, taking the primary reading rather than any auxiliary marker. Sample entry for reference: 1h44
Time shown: 5h46
